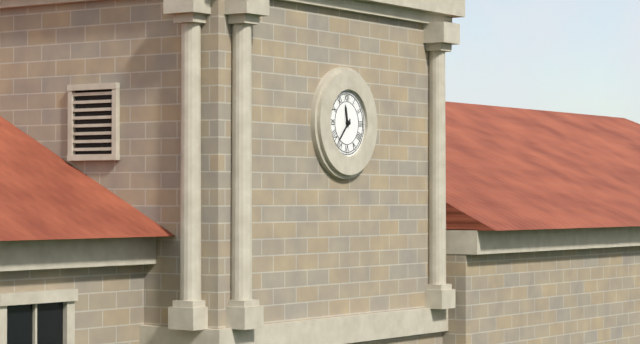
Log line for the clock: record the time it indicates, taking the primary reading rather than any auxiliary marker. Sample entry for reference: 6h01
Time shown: 11h37
